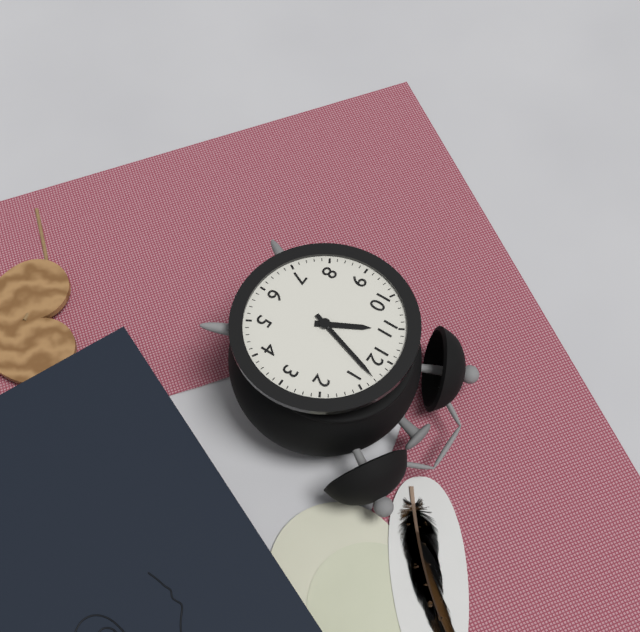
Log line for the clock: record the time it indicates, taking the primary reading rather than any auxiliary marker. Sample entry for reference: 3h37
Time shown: 11h03
